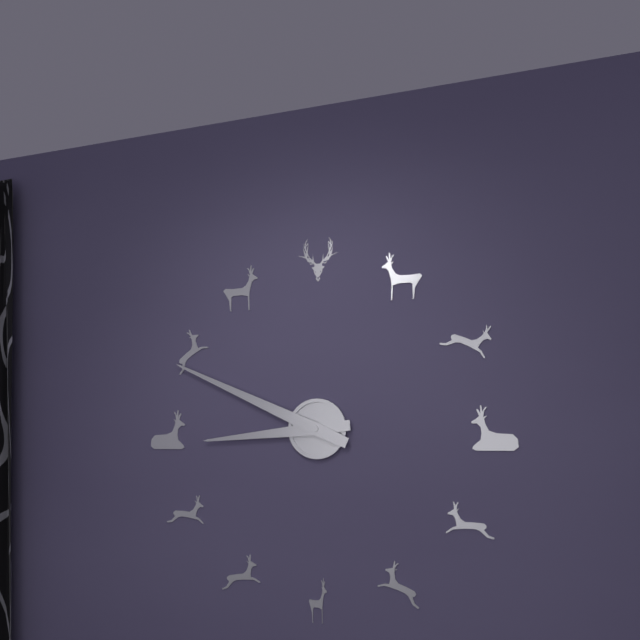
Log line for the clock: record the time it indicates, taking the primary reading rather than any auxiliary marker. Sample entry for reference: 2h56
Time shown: 8h49
